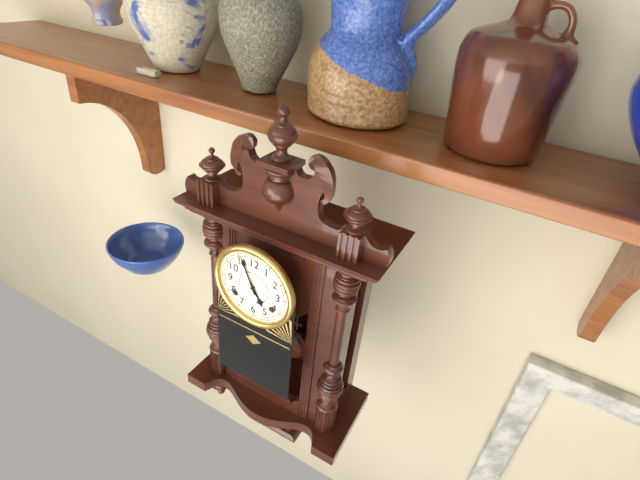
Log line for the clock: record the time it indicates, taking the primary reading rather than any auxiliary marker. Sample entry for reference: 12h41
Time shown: 4h56
